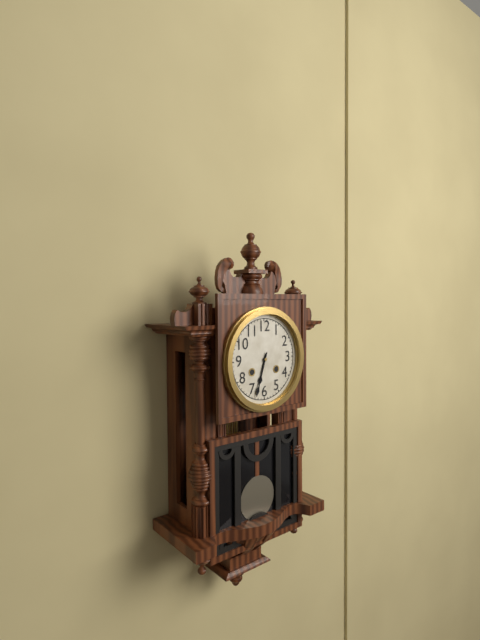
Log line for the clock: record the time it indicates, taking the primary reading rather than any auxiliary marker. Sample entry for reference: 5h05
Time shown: 6h33
